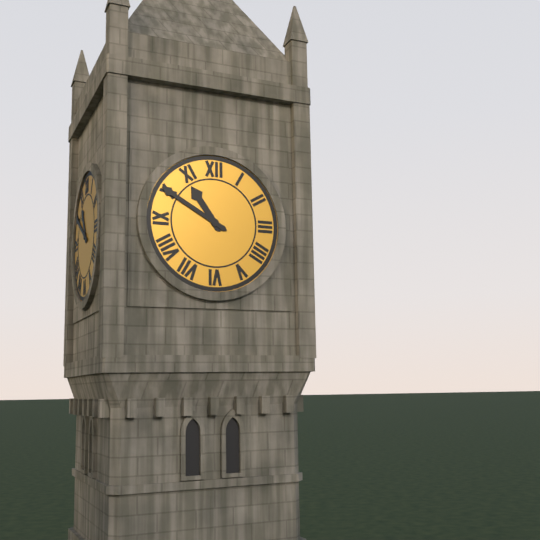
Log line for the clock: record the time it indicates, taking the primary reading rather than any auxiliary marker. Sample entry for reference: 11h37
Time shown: 10h50
